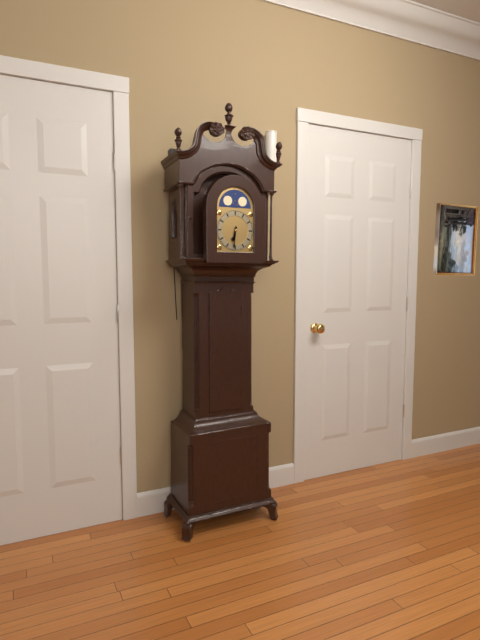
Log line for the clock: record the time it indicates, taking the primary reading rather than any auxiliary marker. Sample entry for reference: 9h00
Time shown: 6h31
